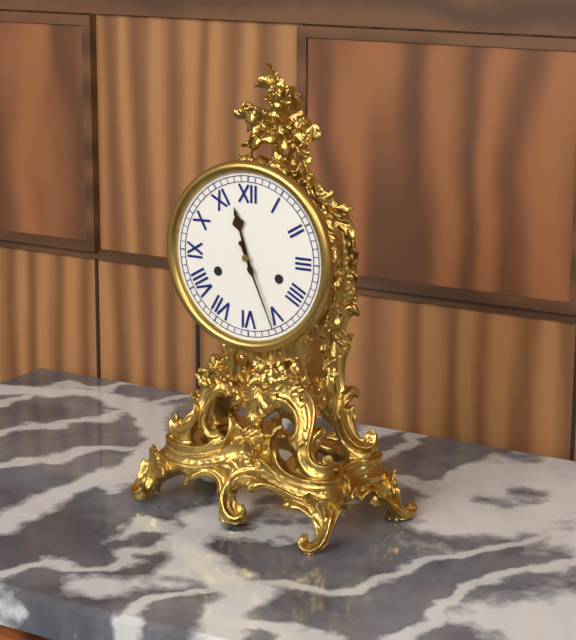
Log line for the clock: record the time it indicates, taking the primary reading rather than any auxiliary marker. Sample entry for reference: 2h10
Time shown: 11h26
